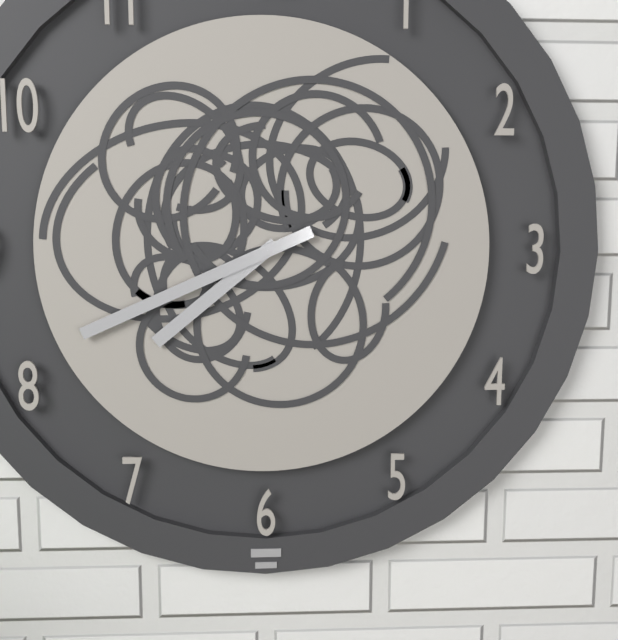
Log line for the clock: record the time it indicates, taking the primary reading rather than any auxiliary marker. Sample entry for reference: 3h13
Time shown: 7h41
